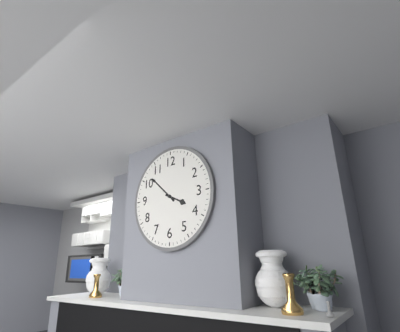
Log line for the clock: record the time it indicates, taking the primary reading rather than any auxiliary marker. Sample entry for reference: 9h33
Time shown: 3h52
